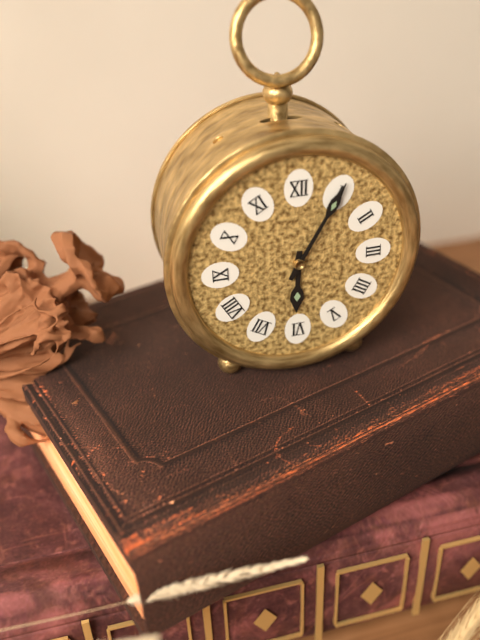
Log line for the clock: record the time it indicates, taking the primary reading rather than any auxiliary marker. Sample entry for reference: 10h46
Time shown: 6h05
